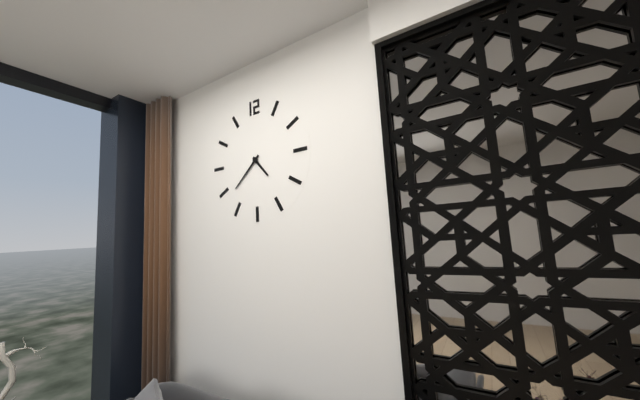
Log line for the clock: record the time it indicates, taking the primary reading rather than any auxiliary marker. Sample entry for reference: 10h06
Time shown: 4h38
